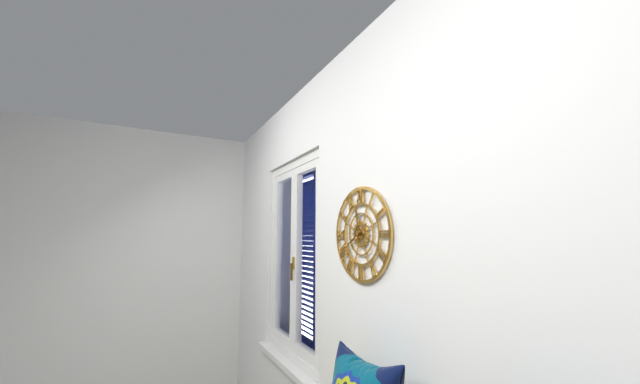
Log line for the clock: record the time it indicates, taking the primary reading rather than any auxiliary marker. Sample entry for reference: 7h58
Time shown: 11h40
